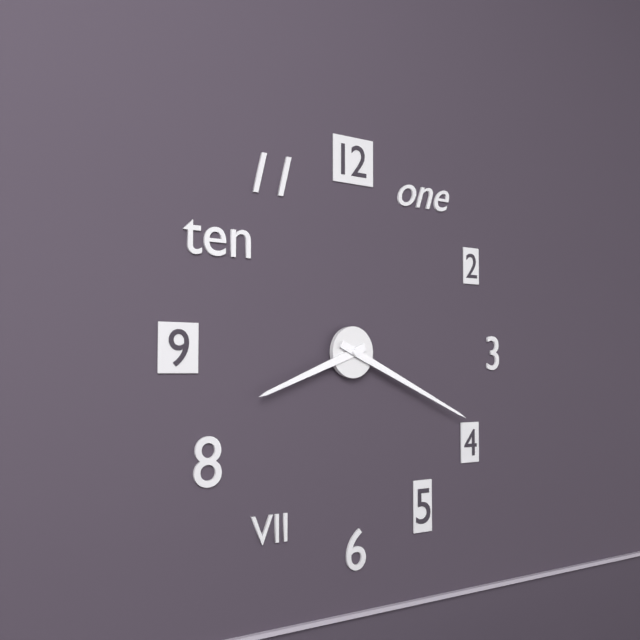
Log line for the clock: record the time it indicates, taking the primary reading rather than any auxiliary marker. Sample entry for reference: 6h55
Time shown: 8h19
